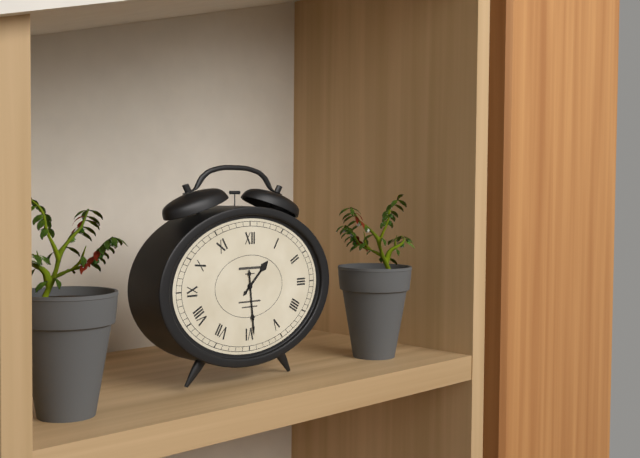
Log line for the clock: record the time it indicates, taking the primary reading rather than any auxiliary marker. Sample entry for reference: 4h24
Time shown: 1h29
